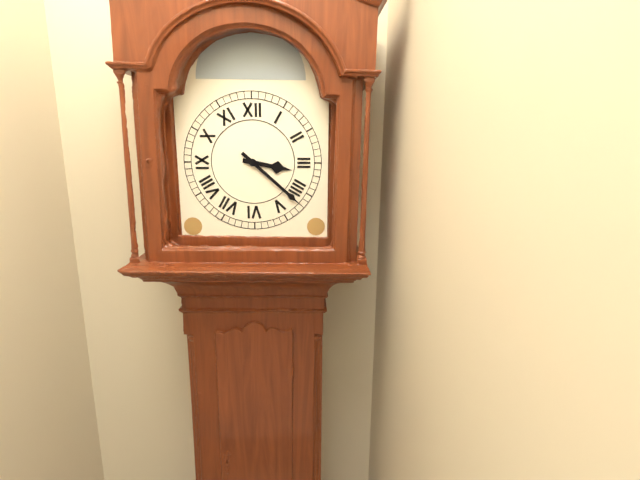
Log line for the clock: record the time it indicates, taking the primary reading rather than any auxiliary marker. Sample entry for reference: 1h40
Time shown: 3h22
